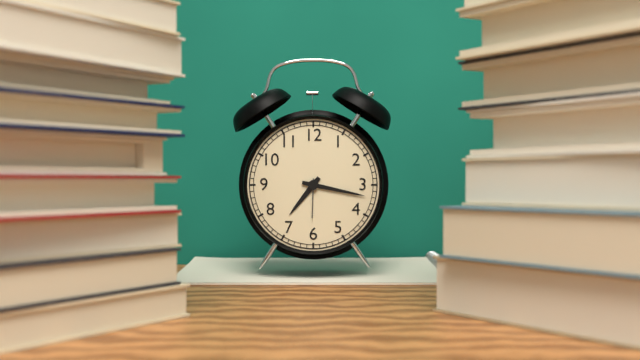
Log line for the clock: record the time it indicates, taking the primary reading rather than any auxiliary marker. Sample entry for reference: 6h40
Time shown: 7h17
